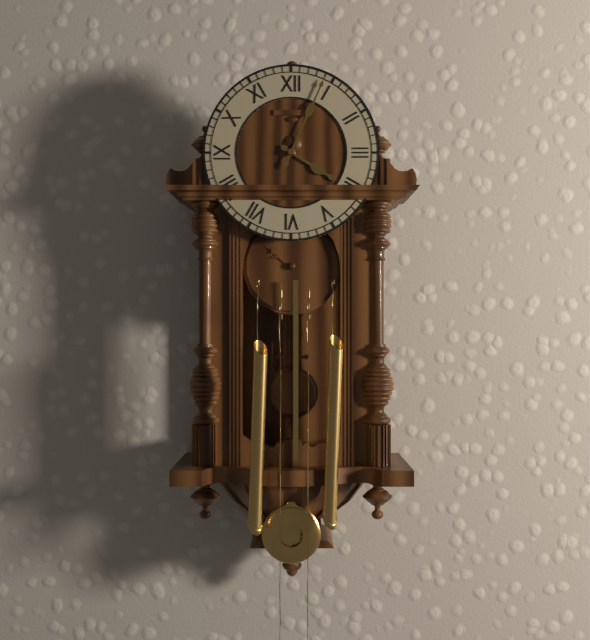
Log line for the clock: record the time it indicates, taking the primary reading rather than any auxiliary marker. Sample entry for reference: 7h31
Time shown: 4h04
